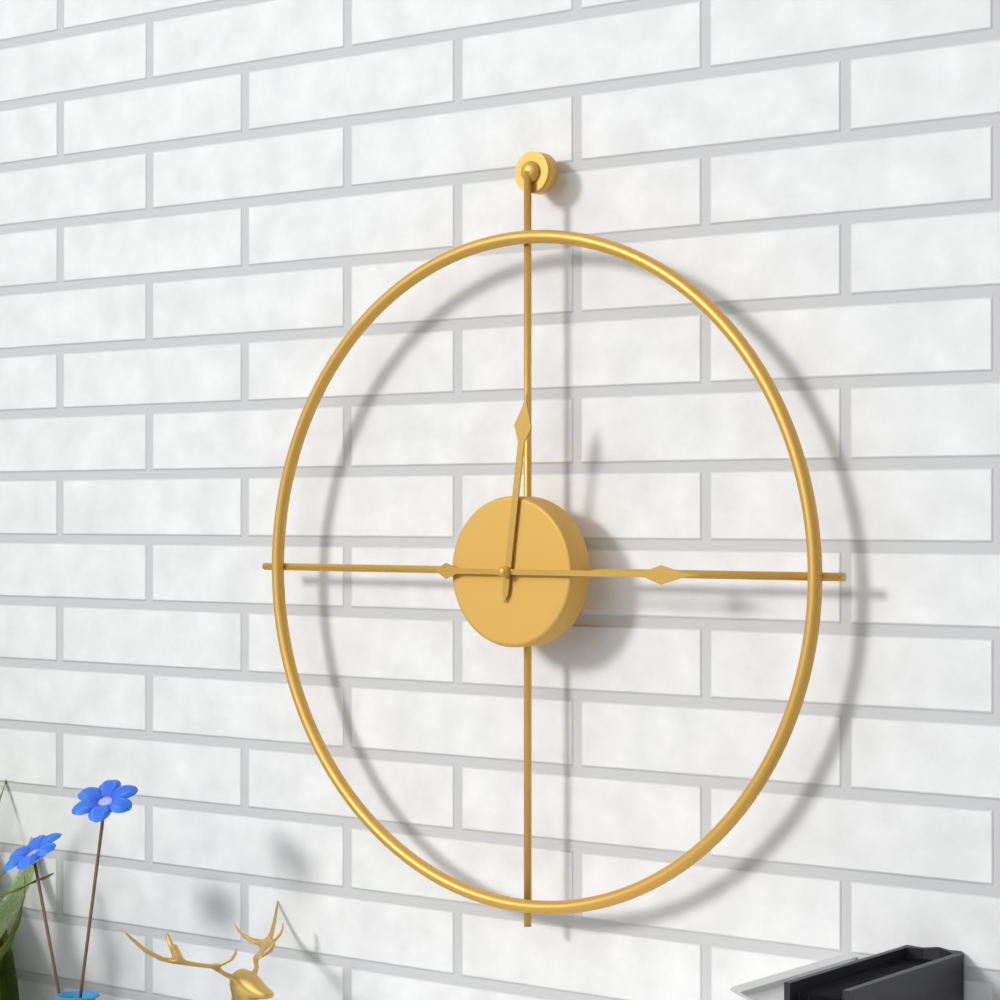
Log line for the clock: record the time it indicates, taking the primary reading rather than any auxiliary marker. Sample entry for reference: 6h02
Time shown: 12h15
